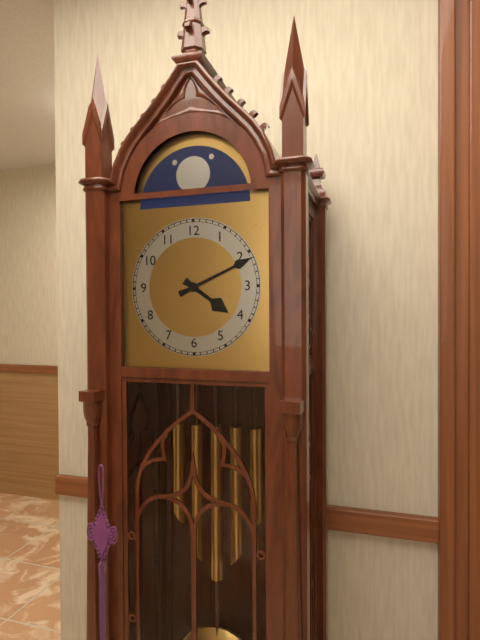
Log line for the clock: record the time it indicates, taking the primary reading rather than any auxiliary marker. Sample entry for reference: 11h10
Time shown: 4h11
